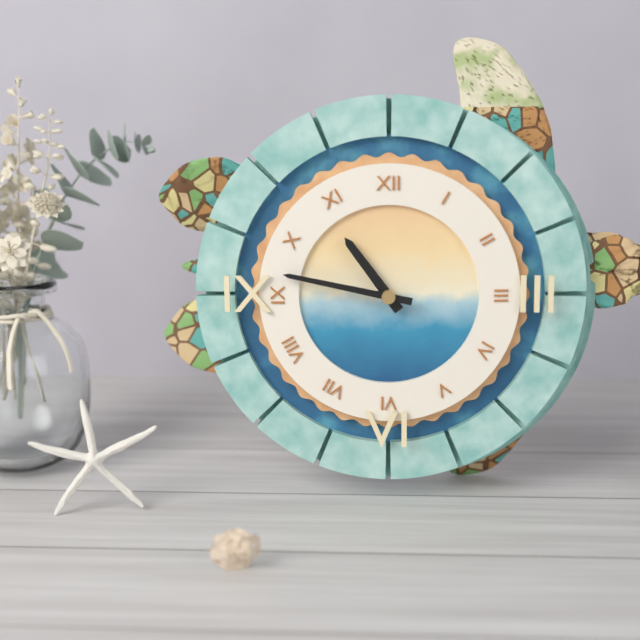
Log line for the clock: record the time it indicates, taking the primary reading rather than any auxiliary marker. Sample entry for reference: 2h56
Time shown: 10h47
